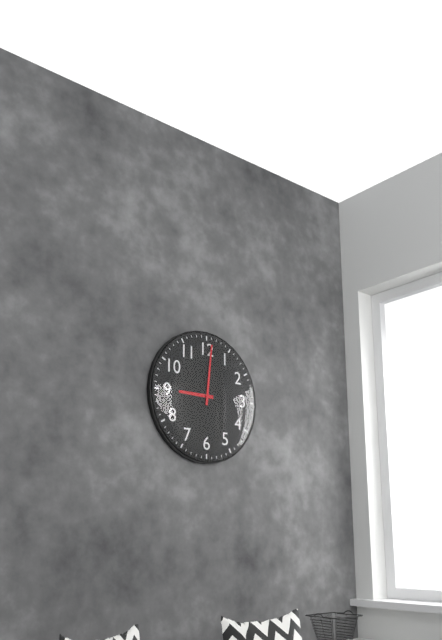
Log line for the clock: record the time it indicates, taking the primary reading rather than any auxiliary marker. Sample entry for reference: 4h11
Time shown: 9h01
